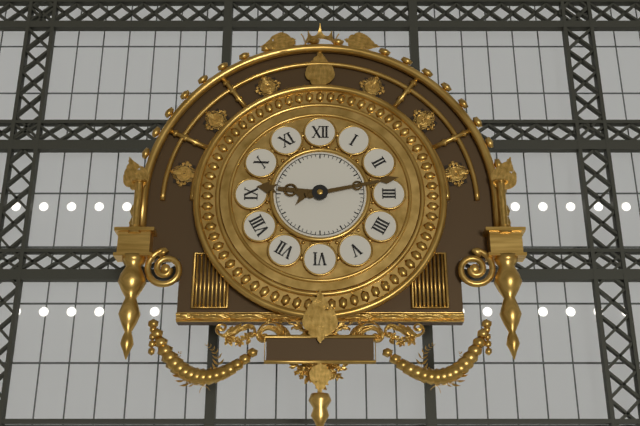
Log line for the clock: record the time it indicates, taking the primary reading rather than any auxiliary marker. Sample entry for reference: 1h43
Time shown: 9h13
